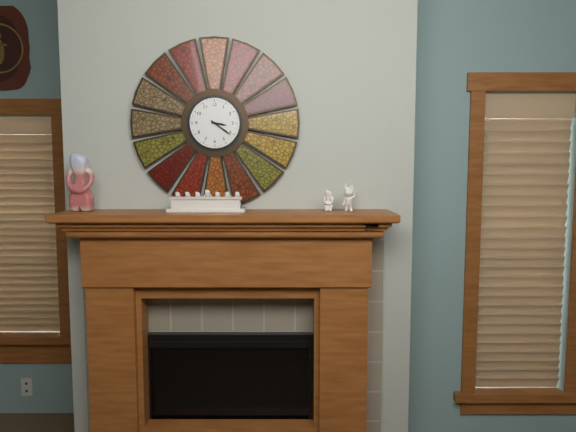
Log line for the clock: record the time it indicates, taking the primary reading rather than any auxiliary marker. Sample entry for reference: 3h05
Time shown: 3h21
